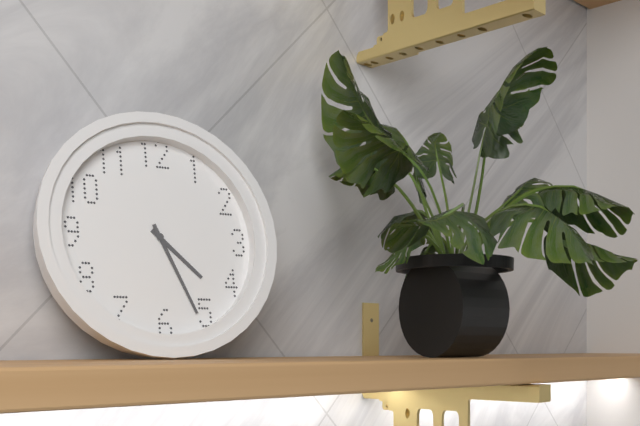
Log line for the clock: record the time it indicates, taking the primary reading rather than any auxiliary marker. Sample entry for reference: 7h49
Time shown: 4h26
